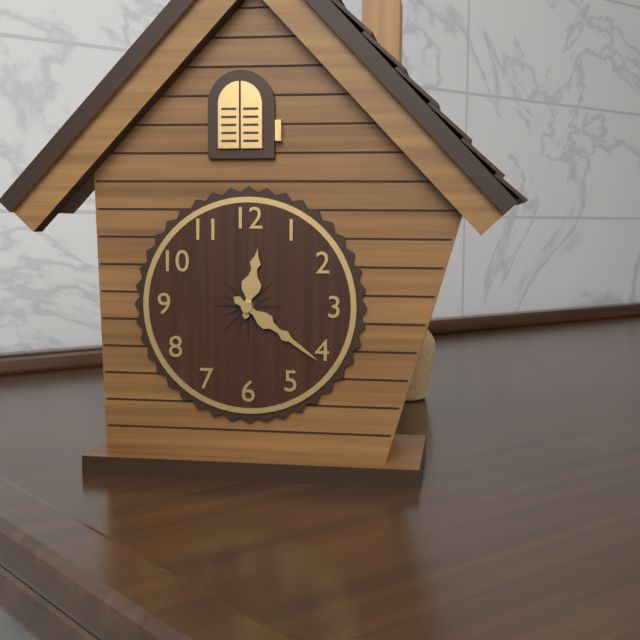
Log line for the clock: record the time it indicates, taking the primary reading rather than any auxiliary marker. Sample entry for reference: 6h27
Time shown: 12h21
